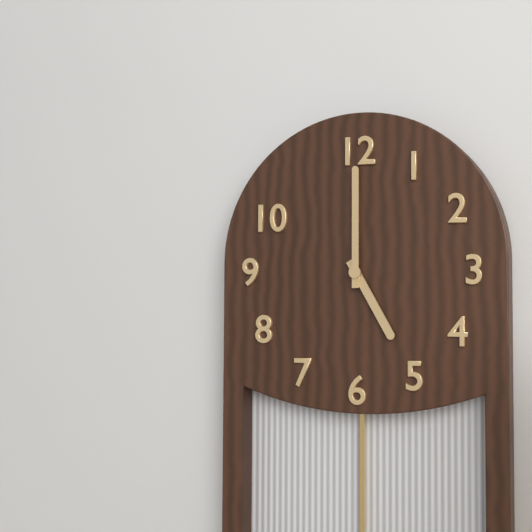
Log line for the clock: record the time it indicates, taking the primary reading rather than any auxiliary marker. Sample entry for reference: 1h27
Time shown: 5h00
